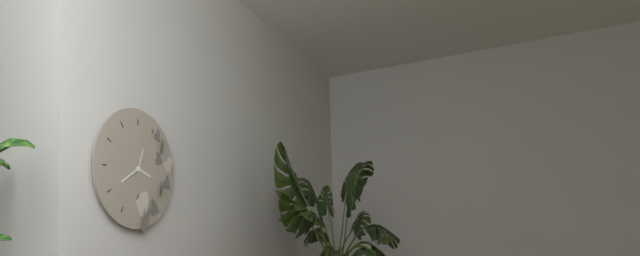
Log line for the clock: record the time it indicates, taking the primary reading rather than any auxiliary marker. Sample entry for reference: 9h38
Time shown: 3h40
